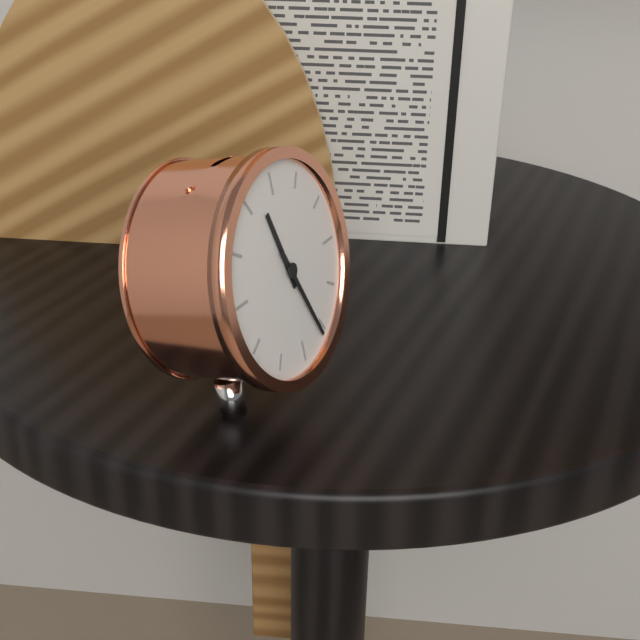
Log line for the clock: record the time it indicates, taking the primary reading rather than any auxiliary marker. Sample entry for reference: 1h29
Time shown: 11h26
